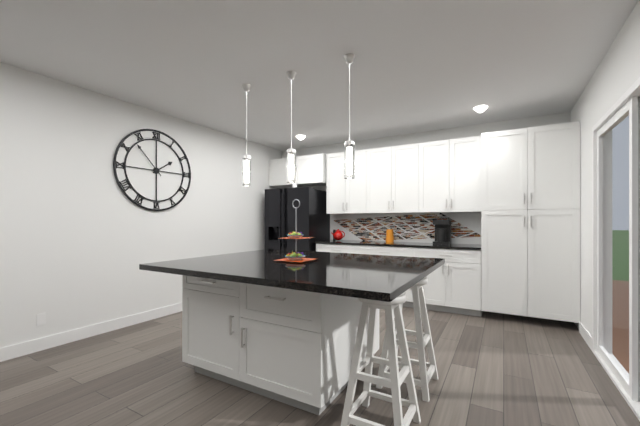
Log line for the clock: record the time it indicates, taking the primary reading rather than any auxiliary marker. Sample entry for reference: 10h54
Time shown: 1h53
